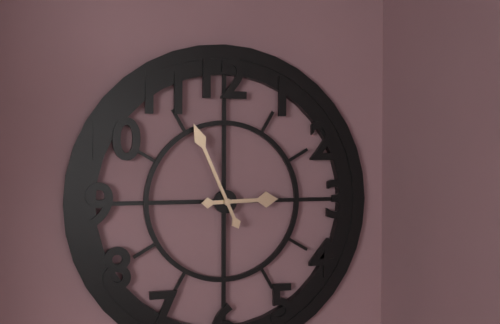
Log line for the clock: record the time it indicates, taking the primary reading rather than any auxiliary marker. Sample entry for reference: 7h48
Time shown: 2h56
